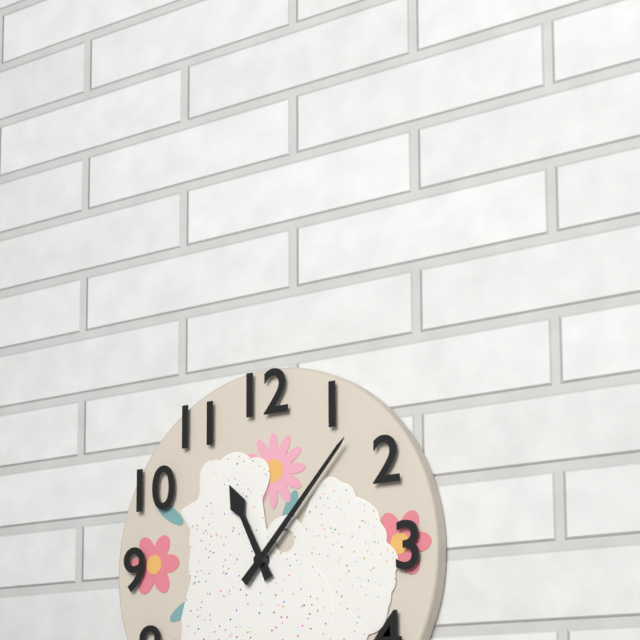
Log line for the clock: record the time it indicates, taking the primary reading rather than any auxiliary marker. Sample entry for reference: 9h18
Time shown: 11h07
